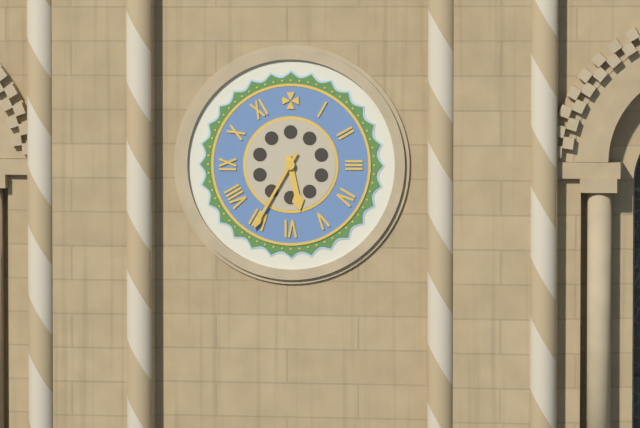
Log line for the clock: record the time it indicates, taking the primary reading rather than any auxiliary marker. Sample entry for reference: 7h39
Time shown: 5h35
